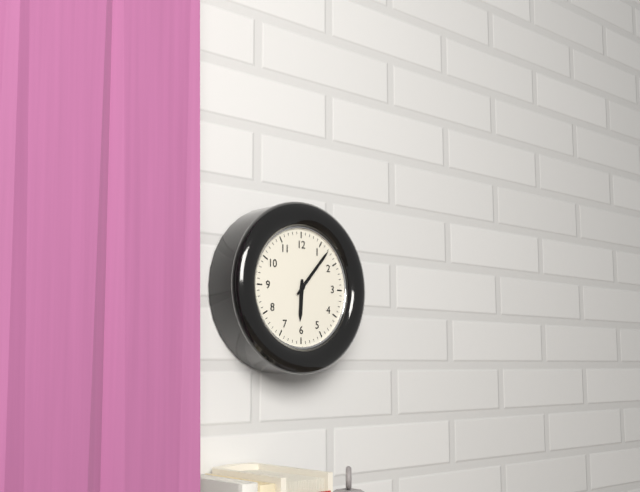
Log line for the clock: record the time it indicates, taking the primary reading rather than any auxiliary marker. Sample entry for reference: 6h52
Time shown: 6h07
